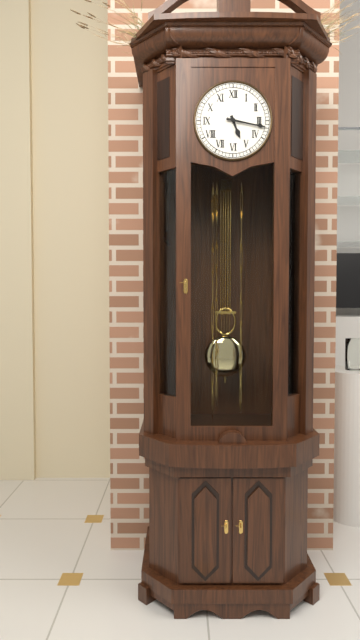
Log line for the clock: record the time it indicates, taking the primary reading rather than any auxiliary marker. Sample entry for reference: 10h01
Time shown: 5h17
